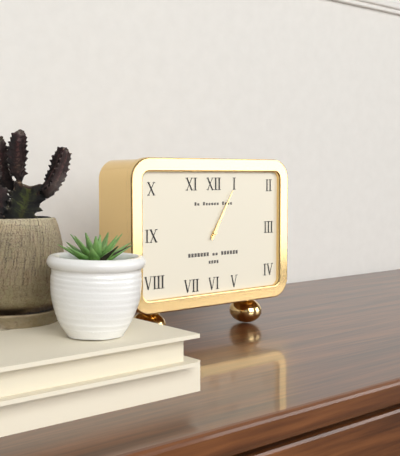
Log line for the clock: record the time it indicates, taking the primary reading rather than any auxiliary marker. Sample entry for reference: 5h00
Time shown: 1h05
